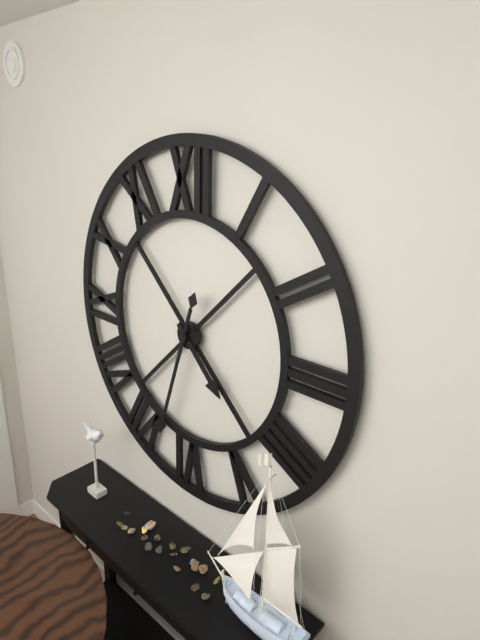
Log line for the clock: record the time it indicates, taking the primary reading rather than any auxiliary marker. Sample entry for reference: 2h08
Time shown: 4h33
